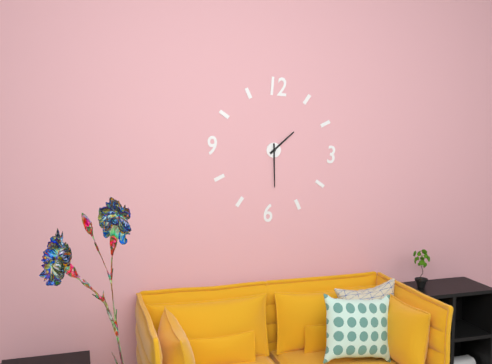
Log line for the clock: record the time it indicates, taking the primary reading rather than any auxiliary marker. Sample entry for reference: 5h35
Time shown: 1h29
